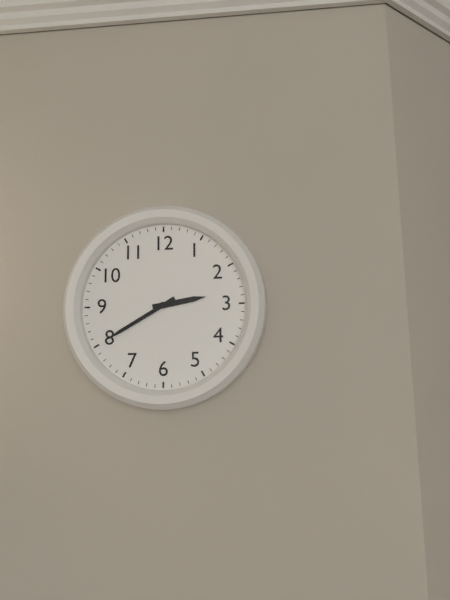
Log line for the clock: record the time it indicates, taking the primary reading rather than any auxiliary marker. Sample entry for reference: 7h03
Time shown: 2h40
